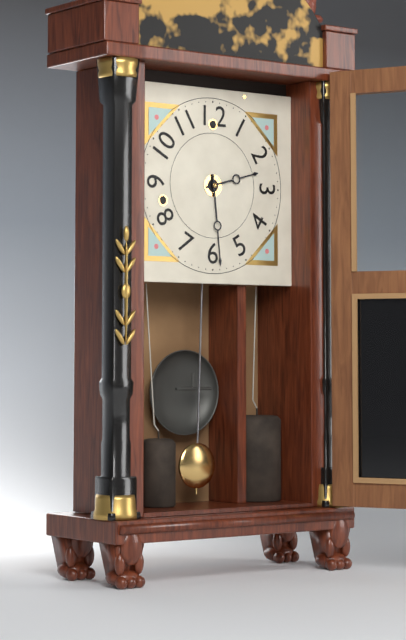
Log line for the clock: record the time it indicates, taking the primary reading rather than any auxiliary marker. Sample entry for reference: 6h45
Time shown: 2h29
